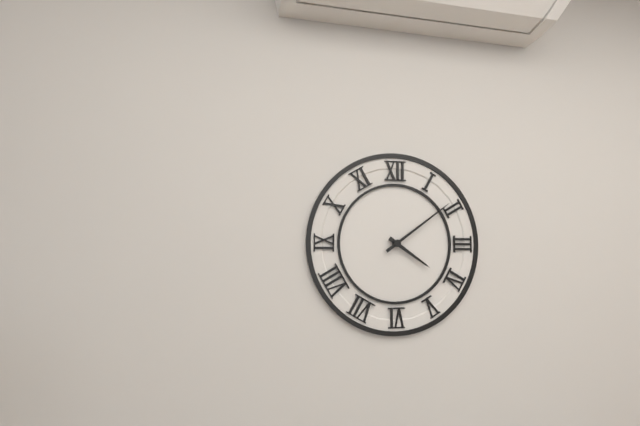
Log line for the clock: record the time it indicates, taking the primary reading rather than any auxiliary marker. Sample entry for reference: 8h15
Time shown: 4h09
